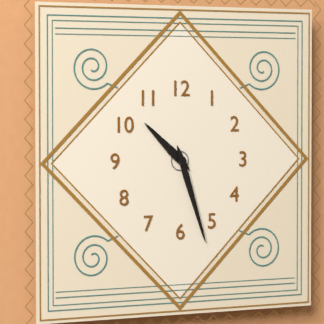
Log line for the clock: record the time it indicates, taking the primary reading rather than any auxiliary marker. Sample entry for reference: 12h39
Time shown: 10h27
